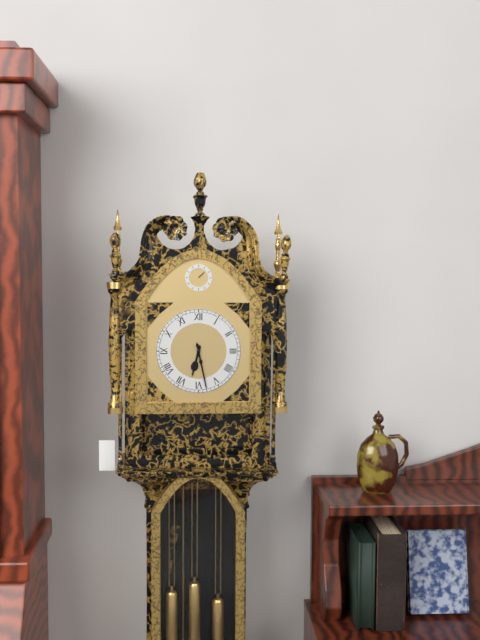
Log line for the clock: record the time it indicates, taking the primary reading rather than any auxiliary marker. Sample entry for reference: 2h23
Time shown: 6h28
